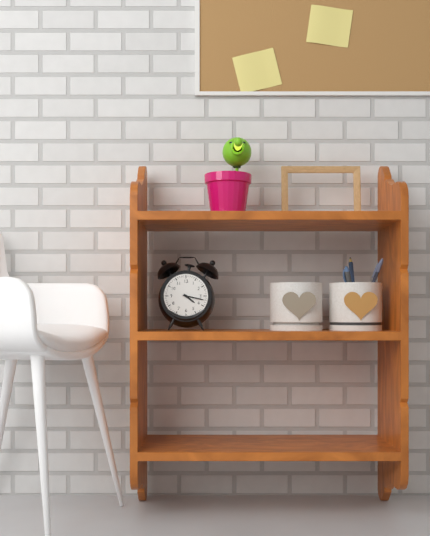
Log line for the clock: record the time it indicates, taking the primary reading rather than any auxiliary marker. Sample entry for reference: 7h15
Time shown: 4h17
